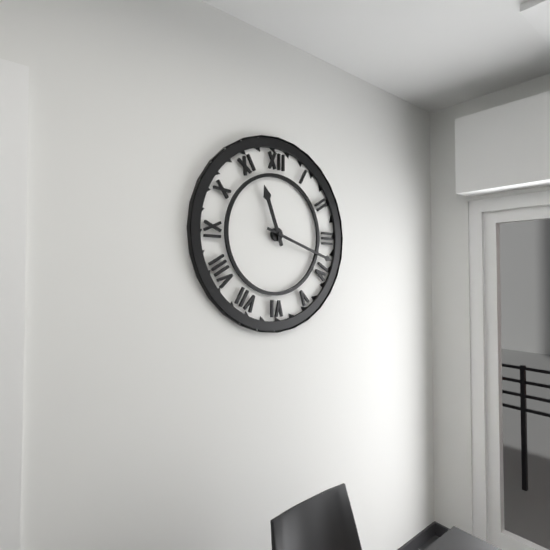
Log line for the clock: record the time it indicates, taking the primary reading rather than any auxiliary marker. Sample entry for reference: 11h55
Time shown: 11h18
